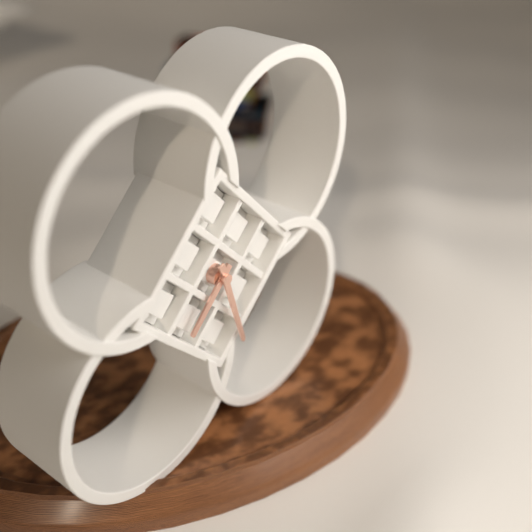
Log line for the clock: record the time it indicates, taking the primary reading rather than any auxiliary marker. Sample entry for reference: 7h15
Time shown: 7h27
